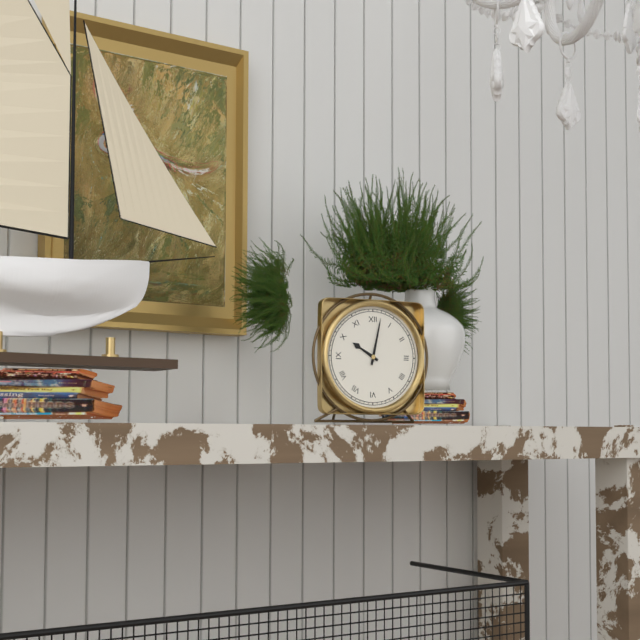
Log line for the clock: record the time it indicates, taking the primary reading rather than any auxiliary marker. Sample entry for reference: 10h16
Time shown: 10h02
